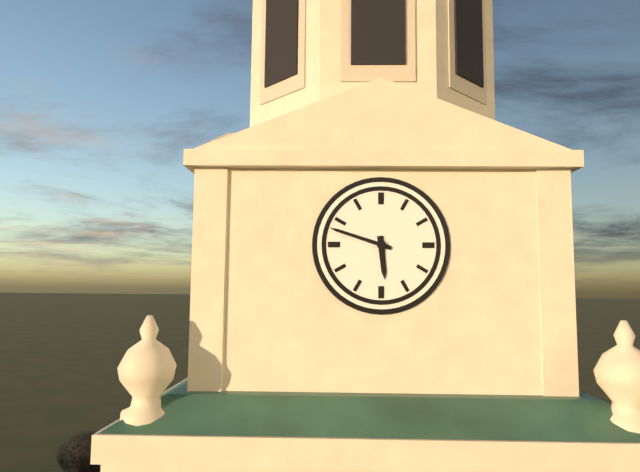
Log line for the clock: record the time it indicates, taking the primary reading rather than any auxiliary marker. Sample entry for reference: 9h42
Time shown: 5h48
